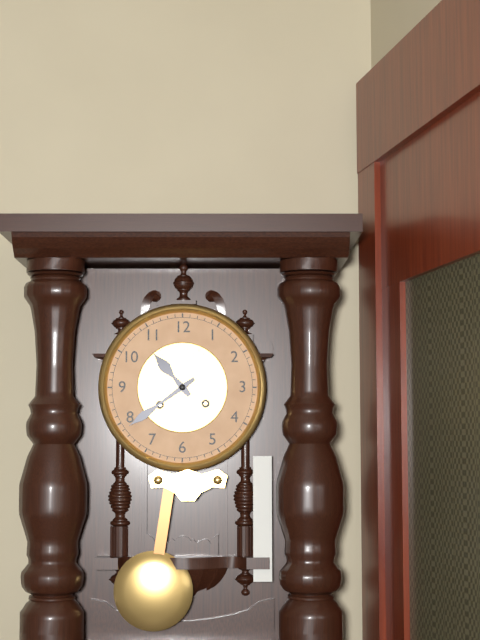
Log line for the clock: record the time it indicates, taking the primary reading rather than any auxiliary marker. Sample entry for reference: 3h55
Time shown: 10h39
